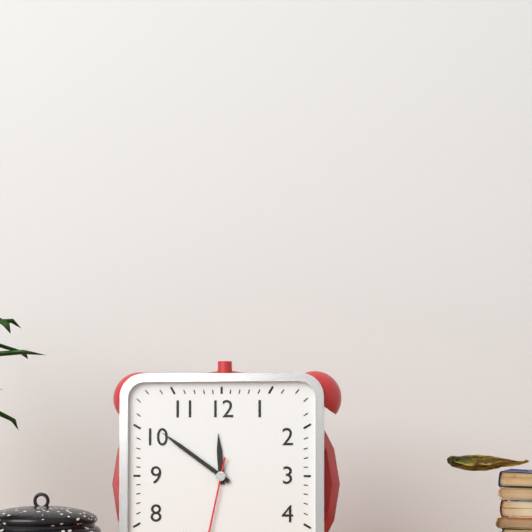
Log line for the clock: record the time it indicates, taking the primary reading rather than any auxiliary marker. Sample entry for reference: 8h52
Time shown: 11h51
